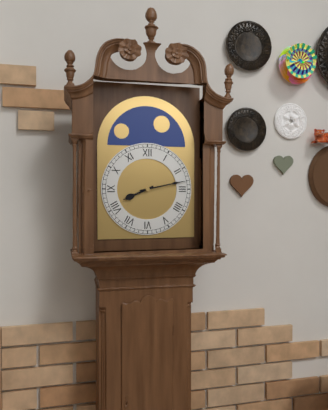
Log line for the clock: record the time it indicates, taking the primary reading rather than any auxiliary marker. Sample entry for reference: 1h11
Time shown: 8h13
